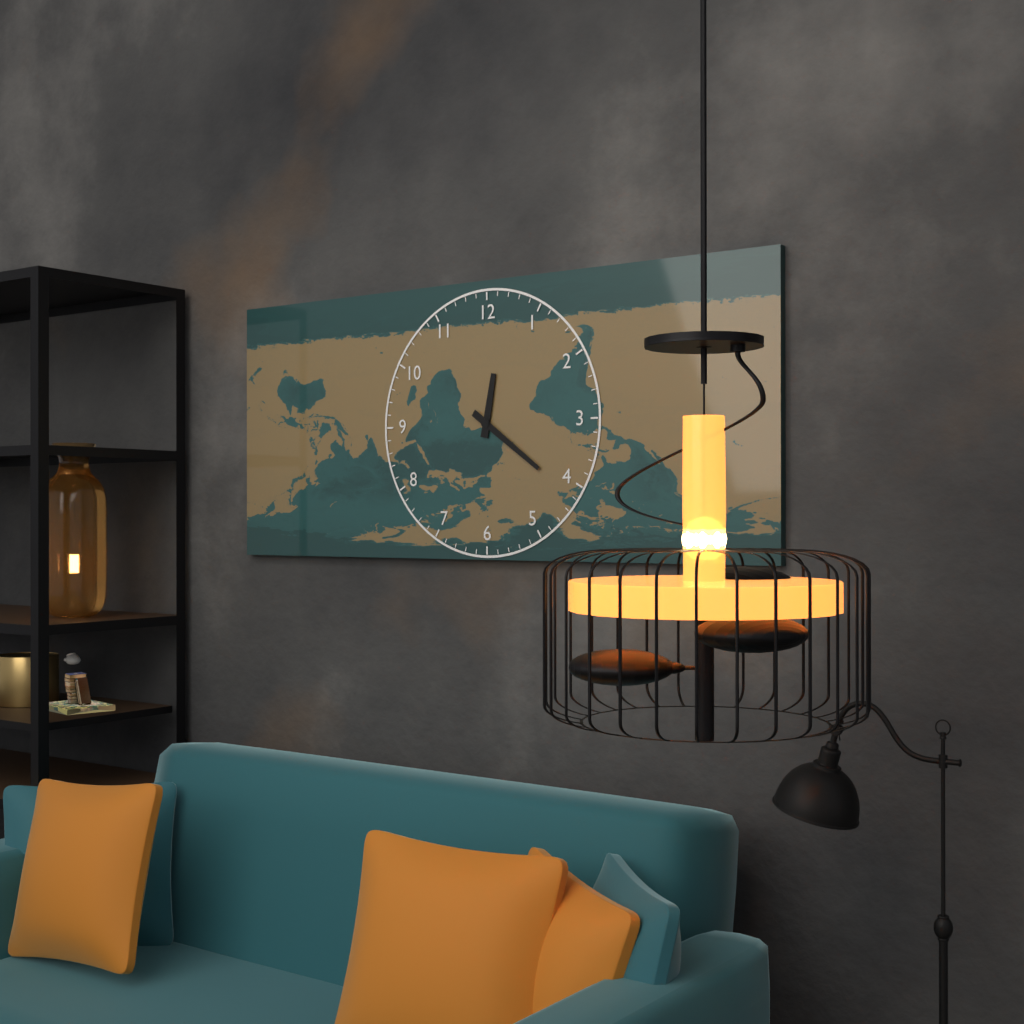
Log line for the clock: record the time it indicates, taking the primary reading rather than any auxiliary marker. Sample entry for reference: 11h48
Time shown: 12h21
